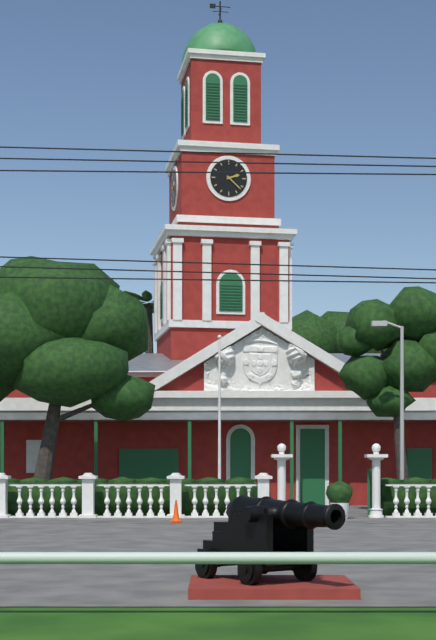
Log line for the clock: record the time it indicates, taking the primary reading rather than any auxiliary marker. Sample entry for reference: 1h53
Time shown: 2h22
